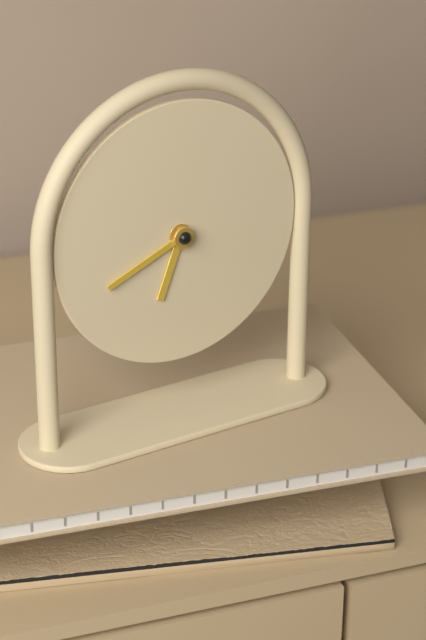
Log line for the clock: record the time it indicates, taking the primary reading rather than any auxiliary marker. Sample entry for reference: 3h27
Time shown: 6h41
